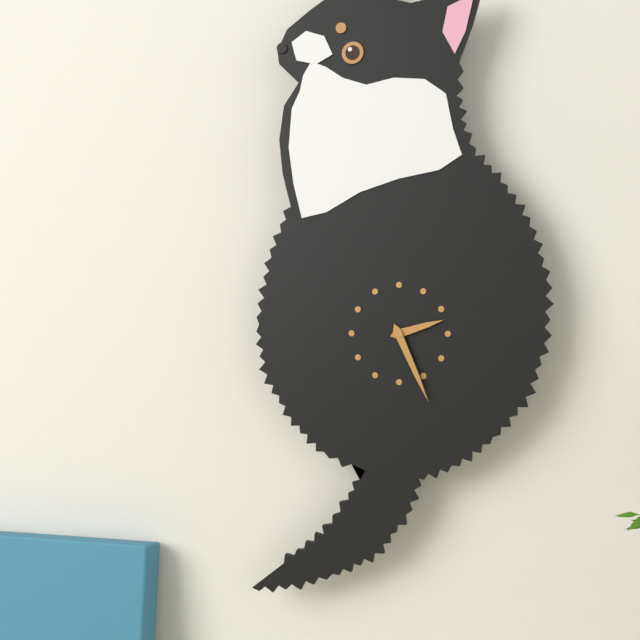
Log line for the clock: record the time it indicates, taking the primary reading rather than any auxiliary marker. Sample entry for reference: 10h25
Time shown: 2h26
